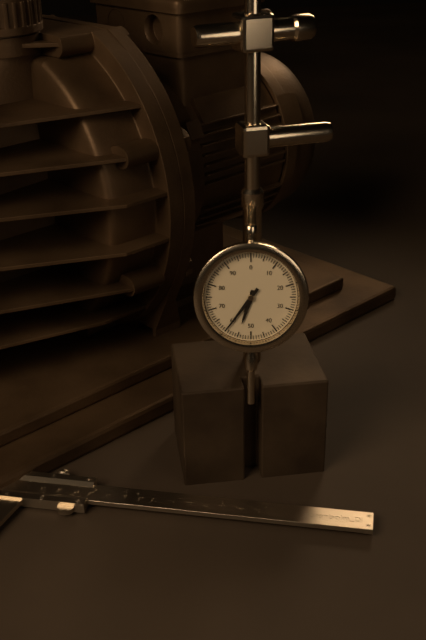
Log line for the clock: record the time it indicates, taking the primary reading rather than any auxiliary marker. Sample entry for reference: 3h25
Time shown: 6h36
